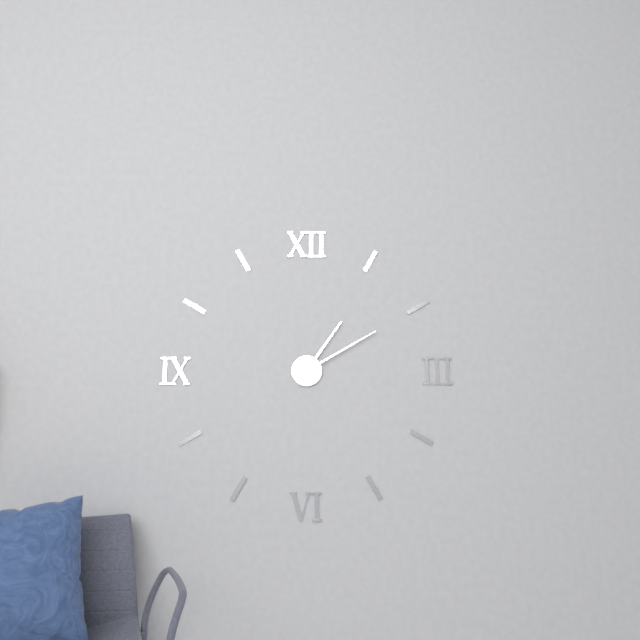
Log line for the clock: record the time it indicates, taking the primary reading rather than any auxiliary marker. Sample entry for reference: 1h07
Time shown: 1h10
